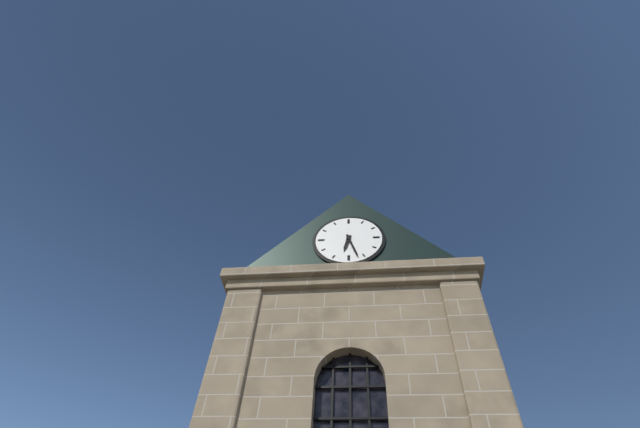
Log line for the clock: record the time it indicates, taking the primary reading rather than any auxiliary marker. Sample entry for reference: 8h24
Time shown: 6h27
